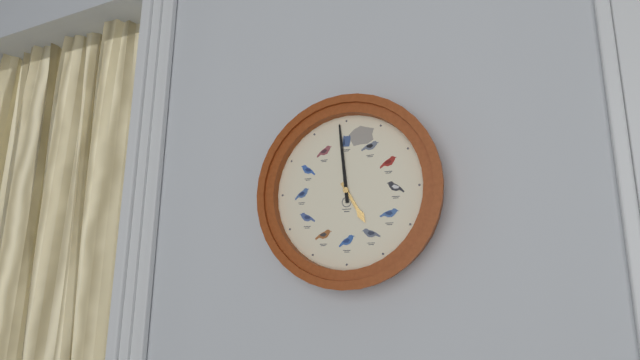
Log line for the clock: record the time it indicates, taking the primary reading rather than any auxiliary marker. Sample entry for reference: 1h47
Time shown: 4h59
